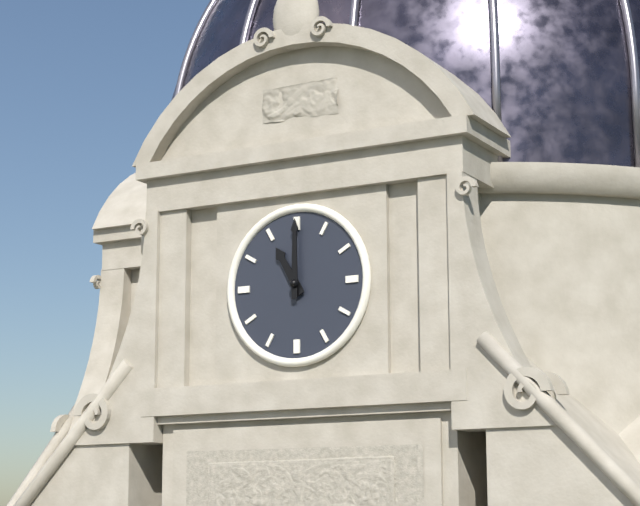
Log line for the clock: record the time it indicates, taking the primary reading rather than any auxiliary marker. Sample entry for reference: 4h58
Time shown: 11h00
